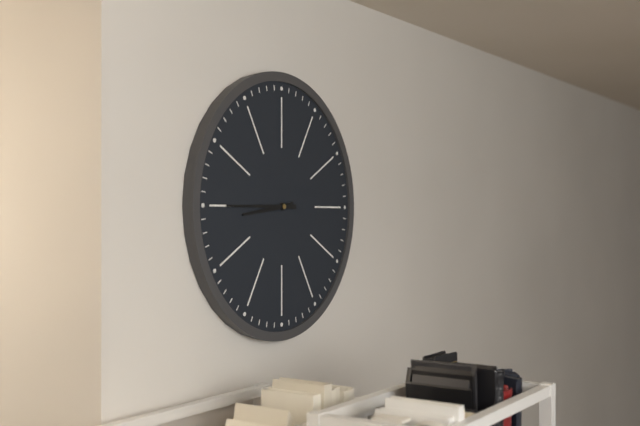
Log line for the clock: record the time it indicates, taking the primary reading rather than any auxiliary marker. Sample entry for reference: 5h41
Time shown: 8h45
